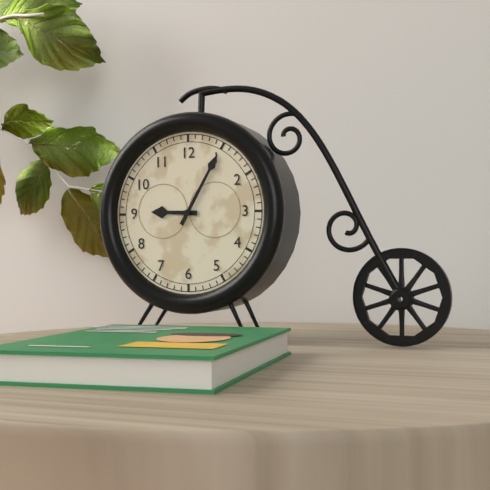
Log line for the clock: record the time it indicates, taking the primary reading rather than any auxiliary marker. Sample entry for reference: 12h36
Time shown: 9h05
